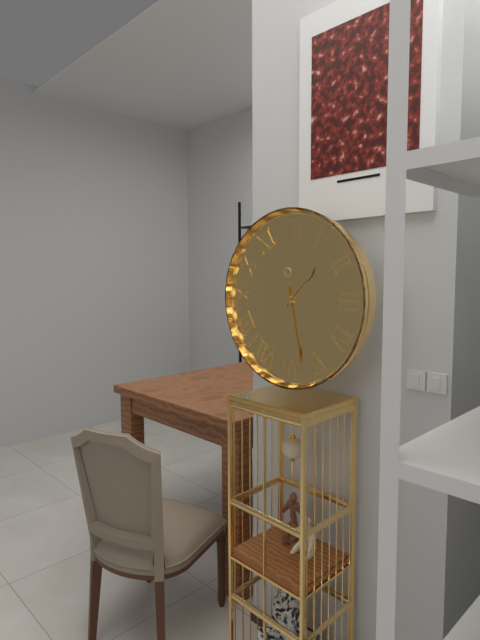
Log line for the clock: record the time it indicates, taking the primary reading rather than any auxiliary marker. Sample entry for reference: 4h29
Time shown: 1h28
